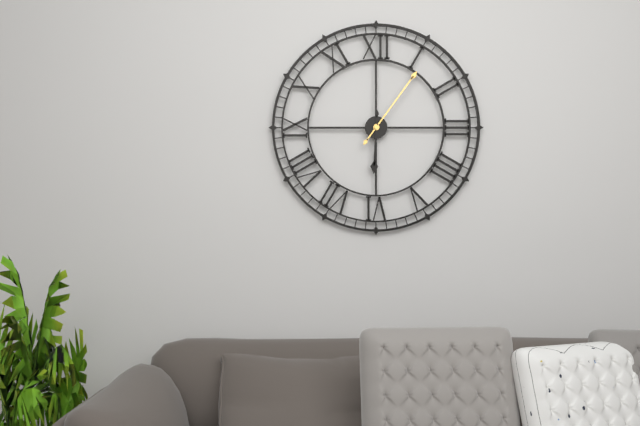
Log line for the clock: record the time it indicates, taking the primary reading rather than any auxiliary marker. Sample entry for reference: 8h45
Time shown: 6h06
